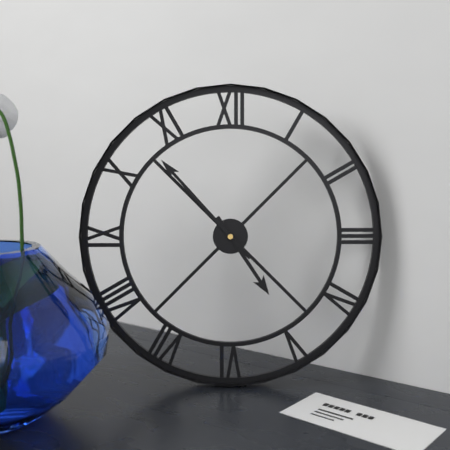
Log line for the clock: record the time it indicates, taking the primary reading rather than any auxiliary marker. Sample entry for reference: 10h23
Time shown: 4h53
